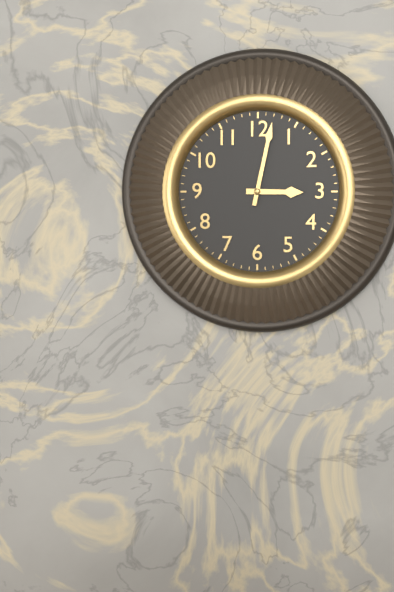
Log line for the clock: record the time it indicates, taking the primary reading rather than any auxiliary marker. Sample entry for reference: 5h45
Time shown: 3h02
